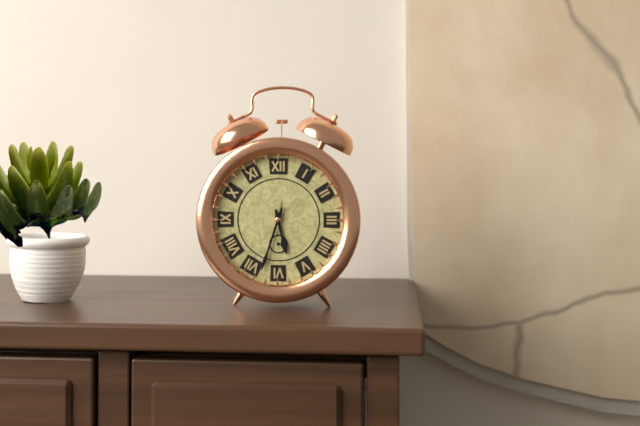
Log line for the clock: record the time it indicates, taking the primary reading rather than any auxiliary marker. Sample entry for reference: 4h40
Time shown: 5h33
